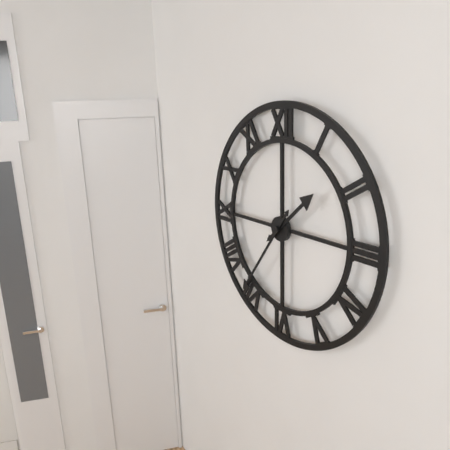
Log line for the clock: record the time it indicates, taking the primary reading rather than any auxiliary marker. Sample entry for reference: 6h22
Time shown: 1h36
